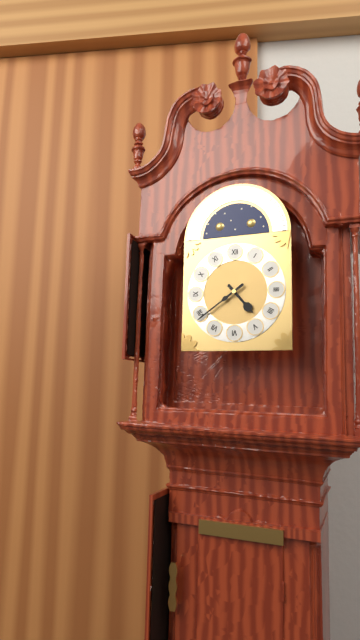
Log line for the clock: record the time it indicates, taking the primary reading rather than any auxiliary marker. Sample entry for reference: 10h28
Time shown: 4h39
